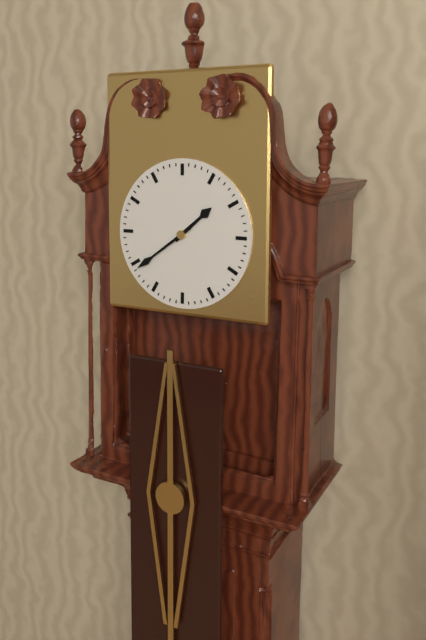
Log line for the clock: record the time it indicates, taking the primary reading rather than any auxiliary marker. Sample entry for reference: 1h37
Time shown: 1h39
